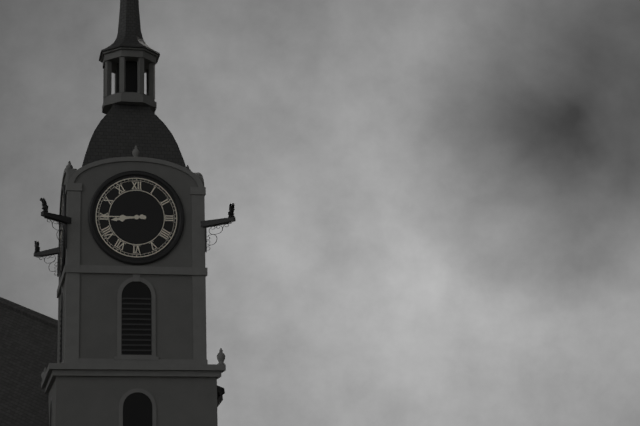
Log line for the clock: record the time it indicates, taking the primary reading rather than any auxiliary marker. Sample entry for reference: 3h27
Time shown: 8h45
